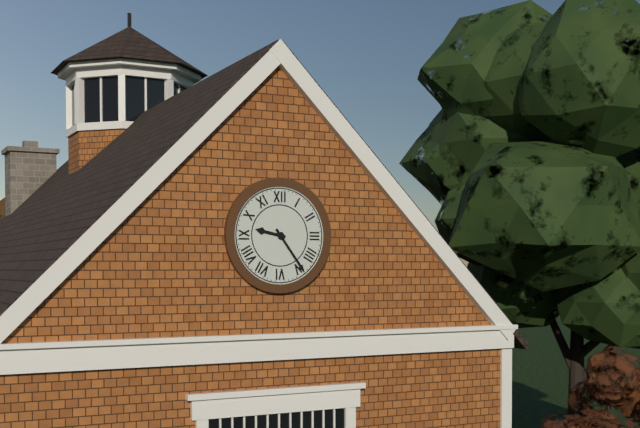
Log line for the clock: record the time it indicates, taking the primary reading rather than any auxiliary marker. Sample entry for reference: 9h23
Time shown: 9h24
